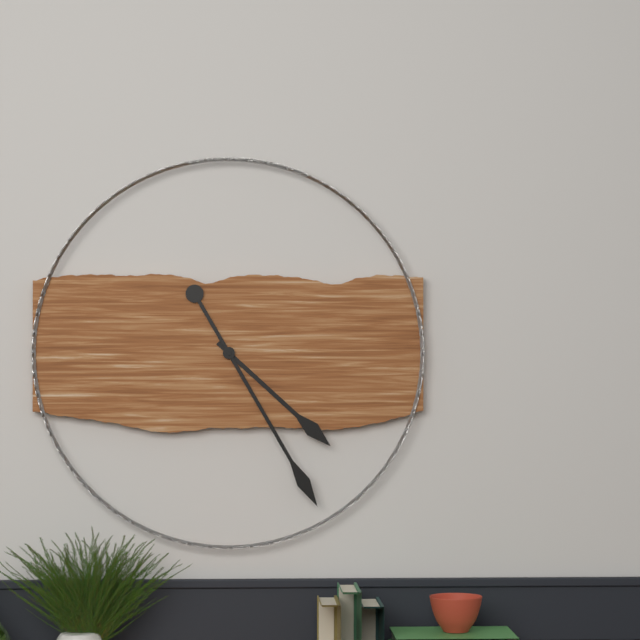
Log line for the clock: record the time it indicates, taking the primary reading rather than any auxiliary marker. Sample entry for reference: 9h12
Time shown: 4h25
